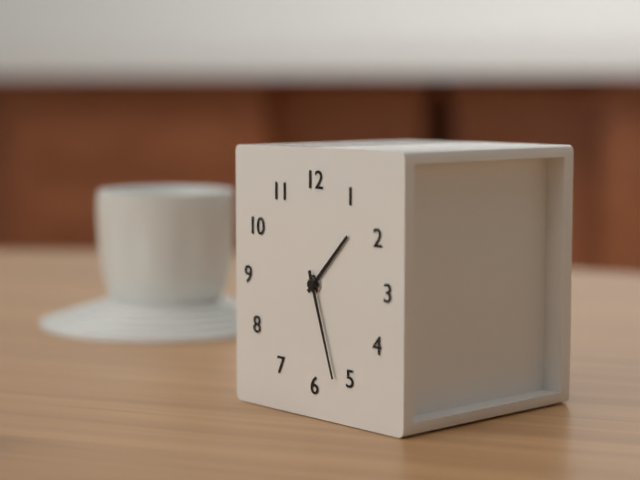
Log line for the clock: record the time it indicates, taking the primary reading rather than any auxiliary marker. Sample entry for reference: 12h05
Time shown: 1h27
